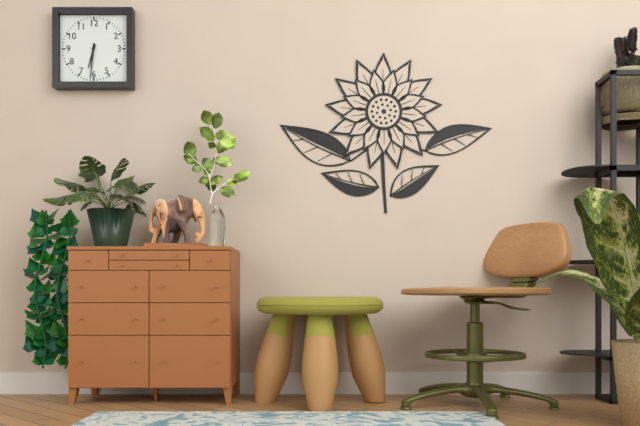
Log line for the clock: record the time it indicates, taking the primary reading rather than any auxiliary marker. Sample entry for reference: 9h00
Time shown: 6h31
